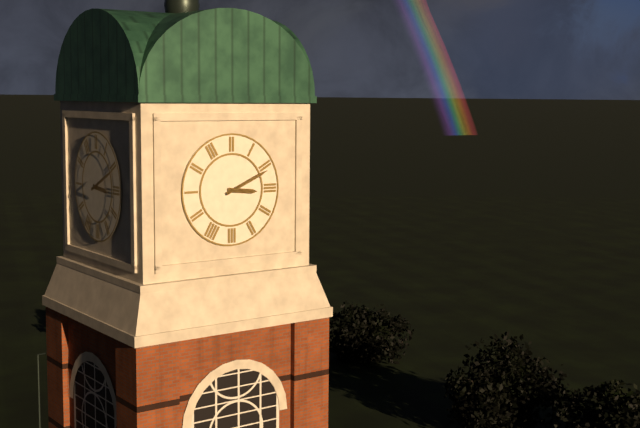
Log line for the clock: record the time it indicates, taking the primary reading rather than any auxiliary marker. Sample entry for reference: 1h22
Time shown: 3h11
